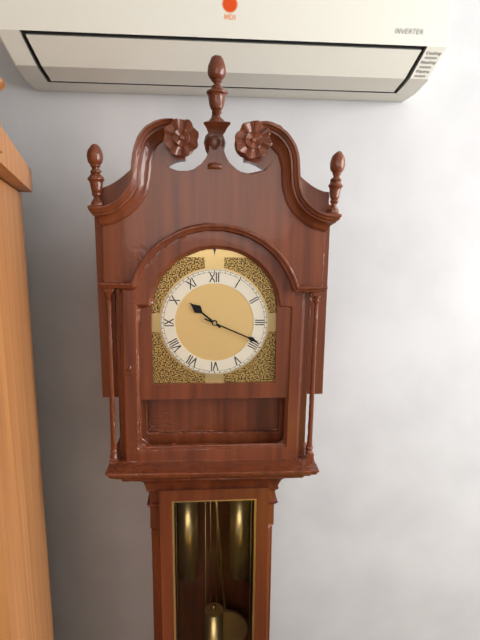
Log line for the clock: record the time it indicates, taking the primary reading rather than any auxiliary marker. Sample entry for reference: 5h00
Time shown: 10h19
